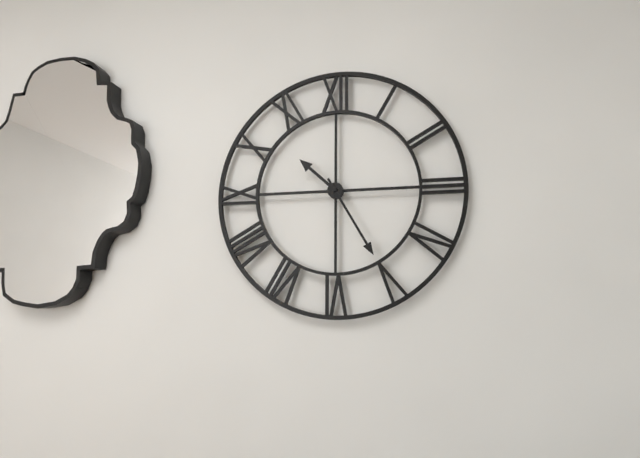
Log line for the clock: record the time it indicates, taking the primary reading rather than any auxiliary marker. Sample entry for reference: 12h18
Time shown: 10h25
